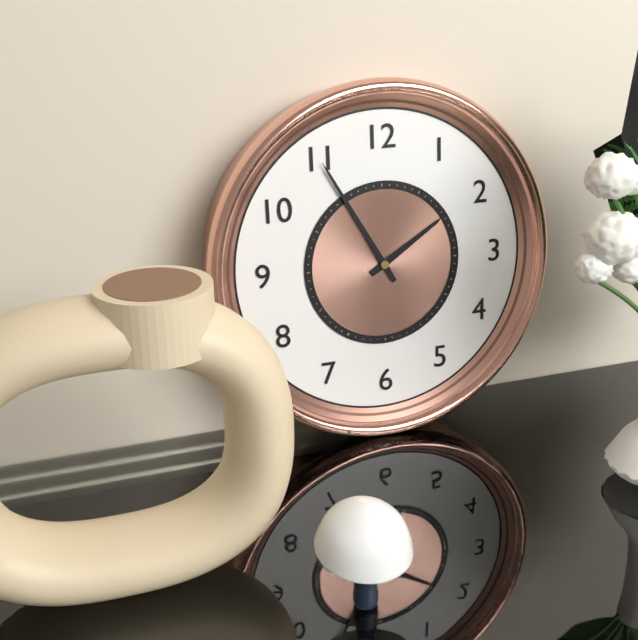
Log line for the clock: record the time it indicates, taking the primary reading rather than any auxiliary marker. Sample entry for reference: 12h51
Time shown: 1h55
